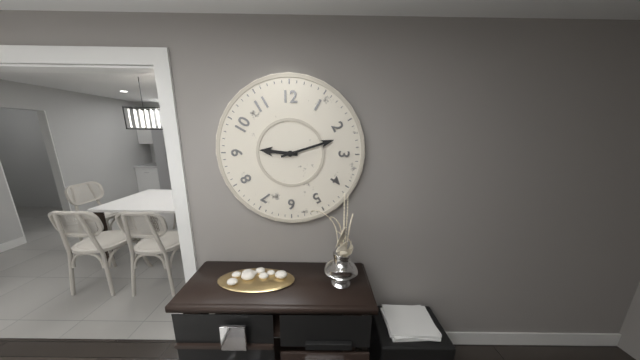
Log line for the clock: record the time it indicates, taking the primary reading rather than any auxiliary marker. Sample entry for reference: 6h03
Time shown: 9h12
